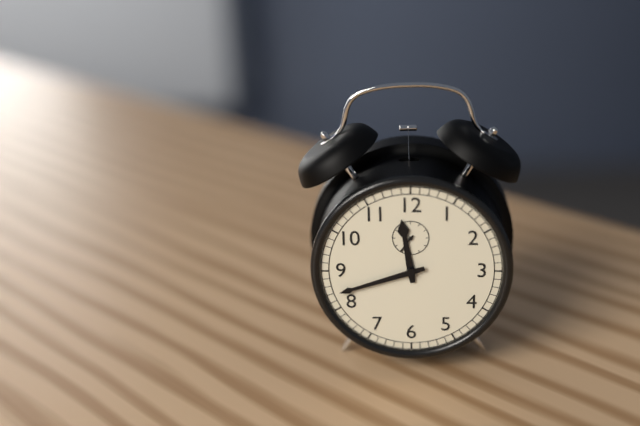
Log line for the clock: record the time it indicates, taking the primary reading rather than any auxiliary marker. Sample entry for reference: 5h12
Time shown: 11h42
